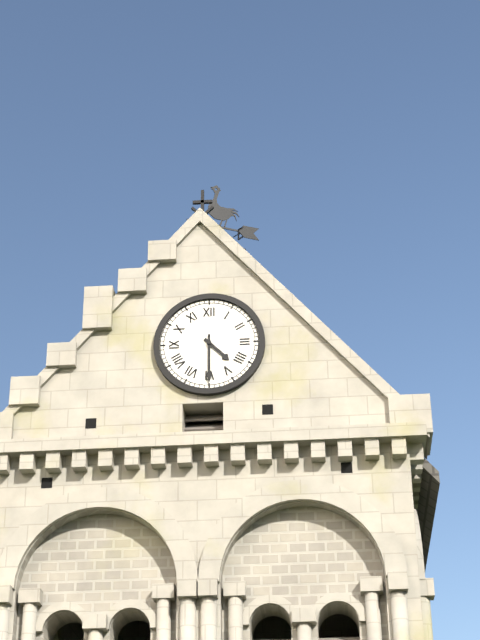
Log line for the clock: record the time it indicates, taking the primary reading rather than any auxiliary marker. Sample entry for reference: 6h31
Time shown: 4h30
